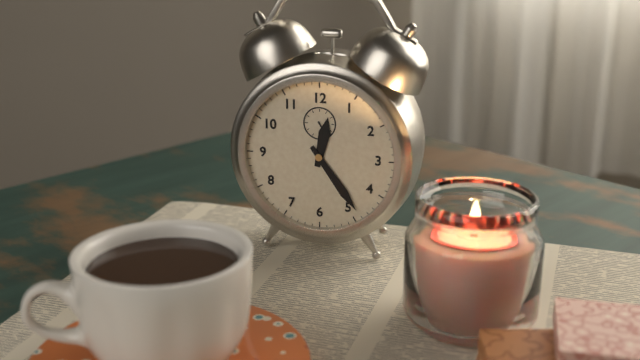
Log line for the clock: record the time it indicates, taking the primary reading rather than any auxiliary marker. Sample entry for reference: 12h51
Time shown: 12h24
